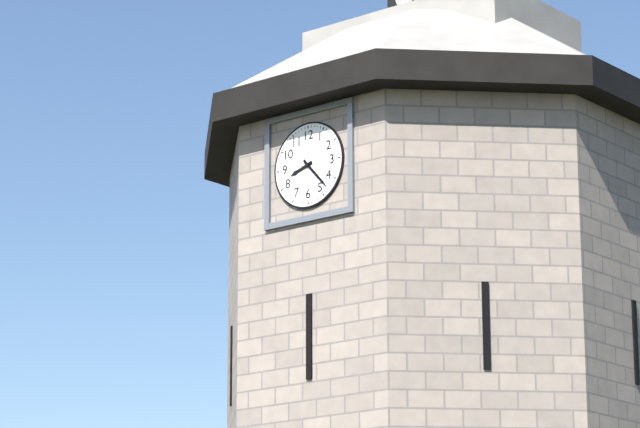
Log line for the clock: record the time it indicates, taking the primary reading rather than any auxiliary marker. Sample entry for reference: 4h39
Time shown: 8h23
